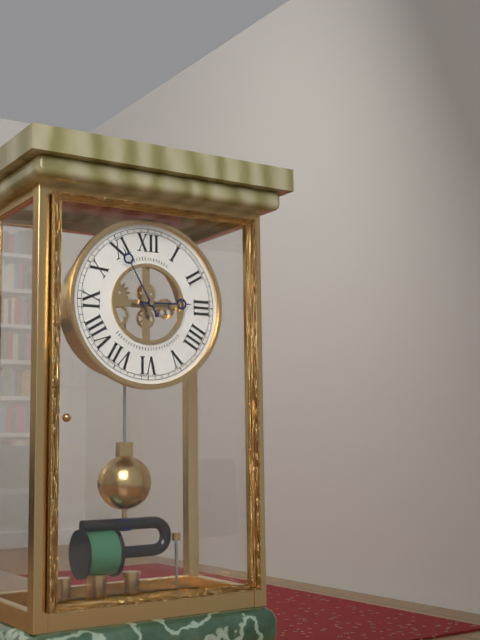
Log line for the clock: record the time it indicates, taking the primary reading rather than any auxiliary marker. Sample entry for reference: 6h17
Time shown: 2h55
